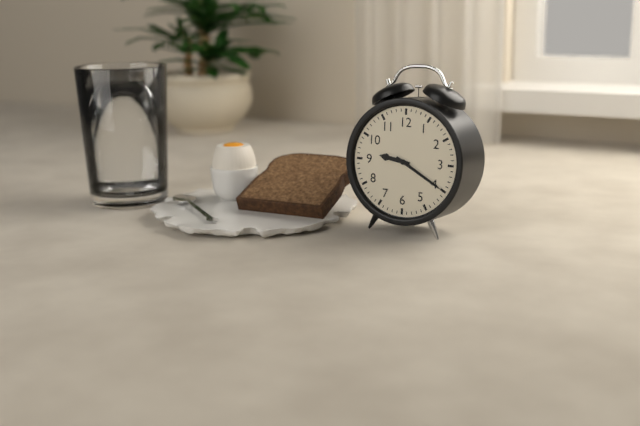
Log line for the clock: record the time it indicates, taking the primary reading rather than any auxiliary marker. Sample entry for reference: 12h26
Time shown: 9h20
